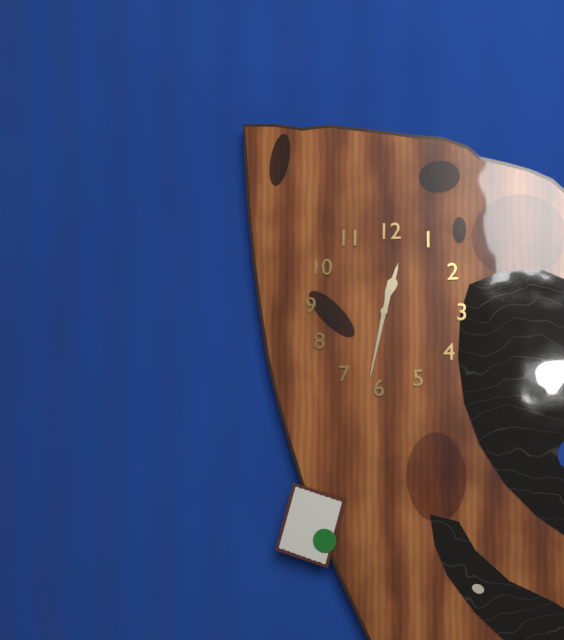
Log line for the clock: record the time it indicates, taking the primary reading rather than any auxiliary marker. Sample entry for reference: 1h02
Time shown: 12h32
